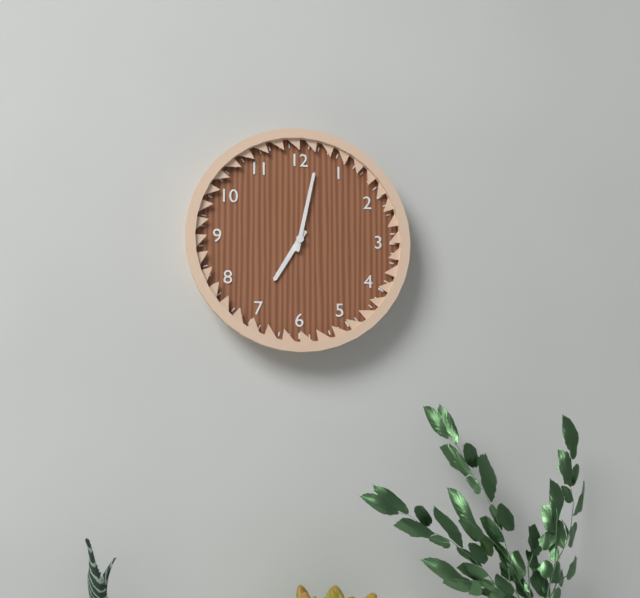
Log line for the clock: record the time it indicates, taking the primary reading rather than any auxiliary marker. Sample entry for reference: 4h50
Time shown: 7h02
